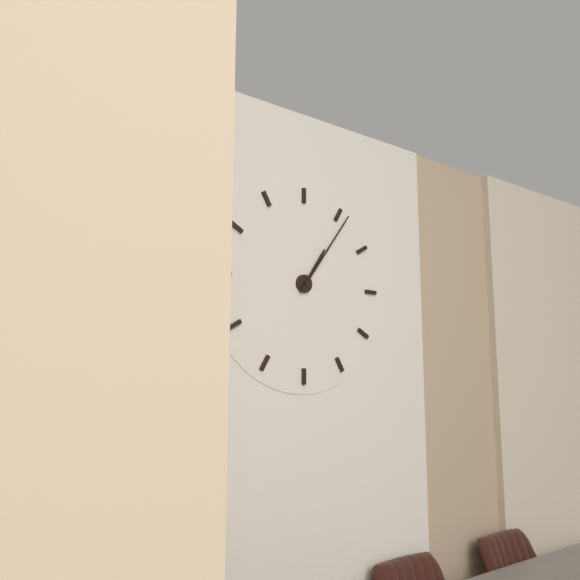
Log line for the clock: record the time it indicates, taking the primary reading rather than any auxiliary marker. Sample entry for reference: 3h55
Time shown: 1h06
